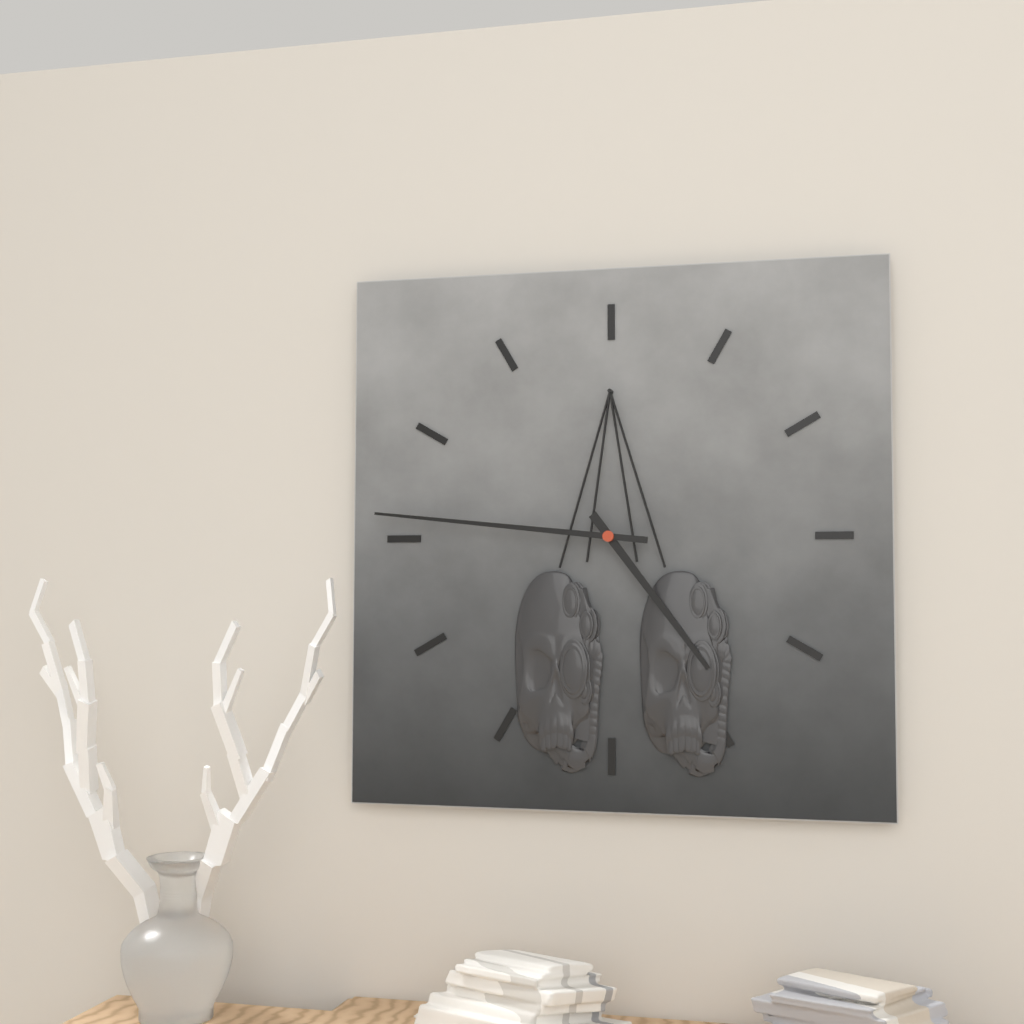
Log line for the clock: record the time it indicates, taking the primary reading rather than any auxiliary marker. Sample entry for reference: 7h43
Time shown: 4h46
